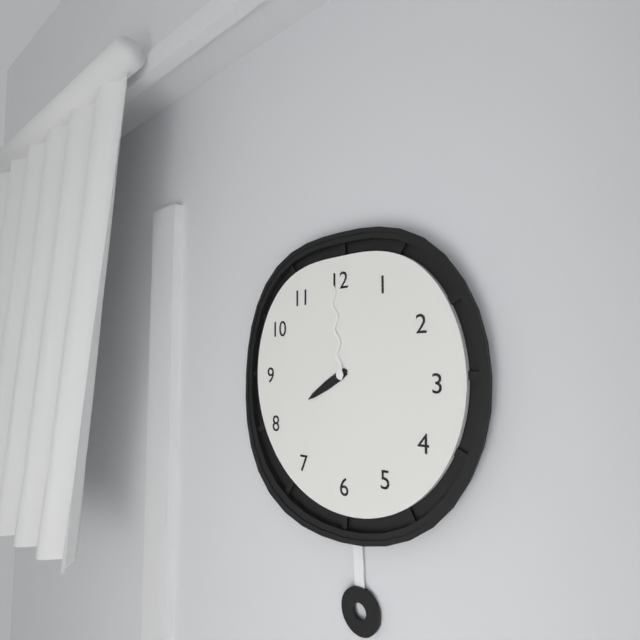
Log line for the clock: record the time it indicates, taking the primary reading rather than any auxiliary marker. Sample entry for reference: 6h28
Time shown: 7h59
